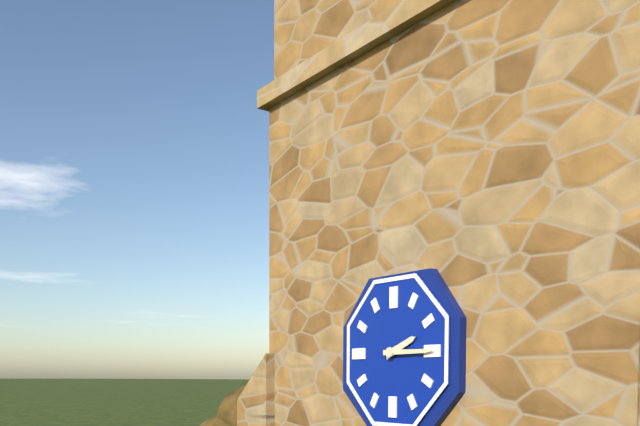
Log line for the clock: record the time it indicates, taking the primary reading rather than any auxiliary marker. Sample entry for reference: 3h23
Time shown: 2h15
